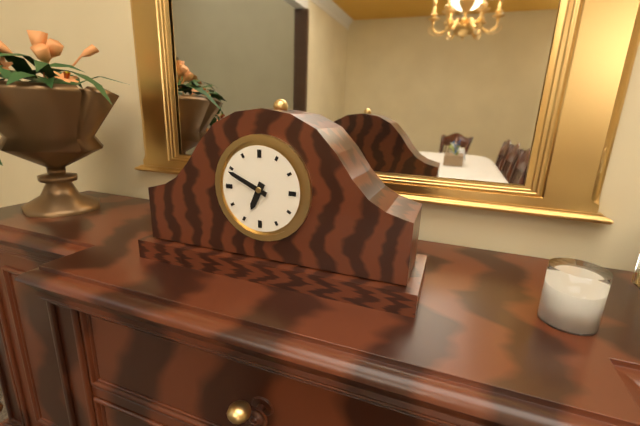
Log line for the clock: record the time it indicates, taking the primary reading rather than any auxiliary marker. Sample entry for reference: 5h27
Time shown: 6h49
